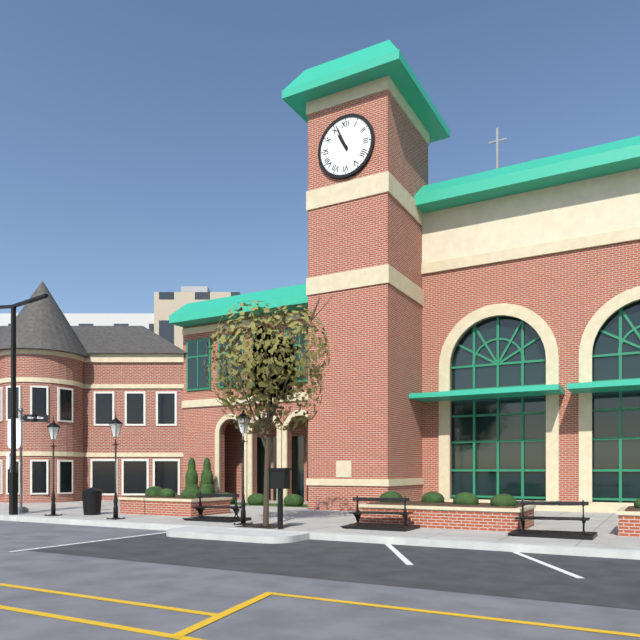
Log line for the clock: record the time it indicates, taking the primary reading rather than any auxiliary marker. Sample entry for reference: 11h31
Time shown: 10h56
